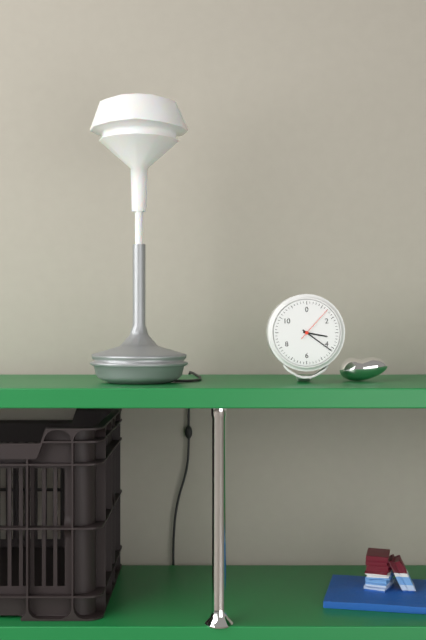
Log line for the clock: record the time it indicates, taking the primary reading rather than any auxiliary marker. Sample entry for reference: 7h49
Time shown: 3h21
